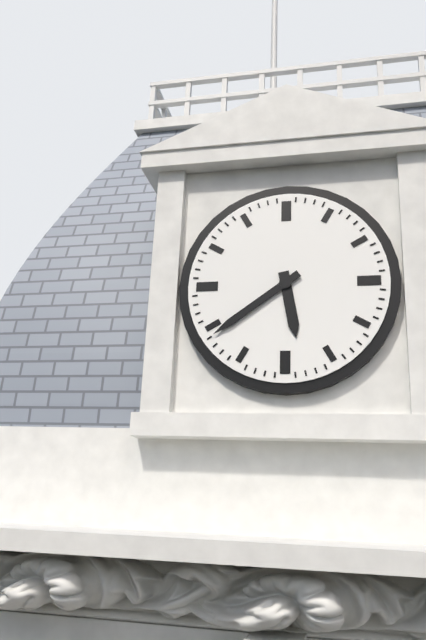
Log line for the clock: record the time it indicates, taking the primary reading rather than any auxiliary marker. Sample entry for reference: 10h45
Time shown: 5h39
